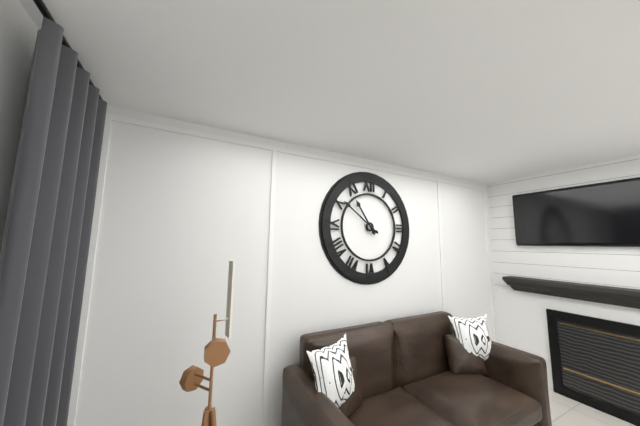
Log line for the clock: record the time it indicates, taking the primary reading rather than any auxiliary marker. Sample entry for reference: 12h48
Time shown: 10h51
